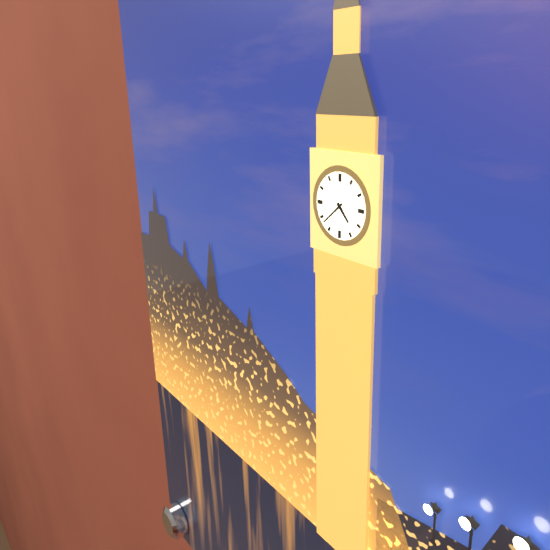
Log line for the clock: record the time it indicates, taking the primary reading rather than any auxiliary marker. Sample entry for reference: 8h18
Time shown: 4h38
